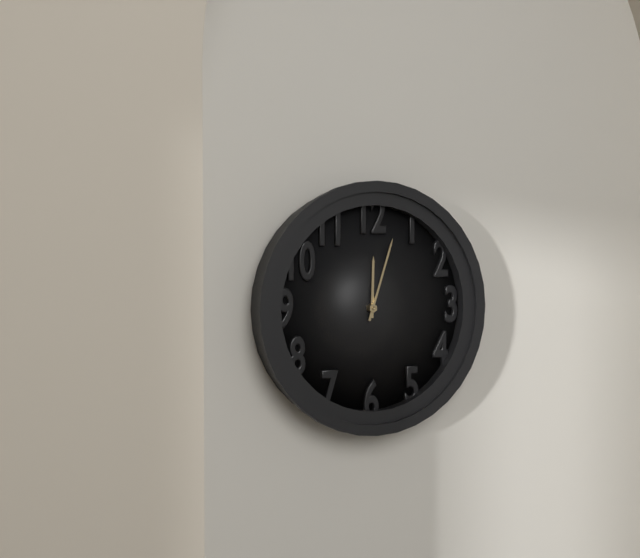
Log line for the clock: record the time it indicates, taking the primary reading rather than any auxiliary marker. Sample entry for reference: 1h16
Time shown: 12h03
